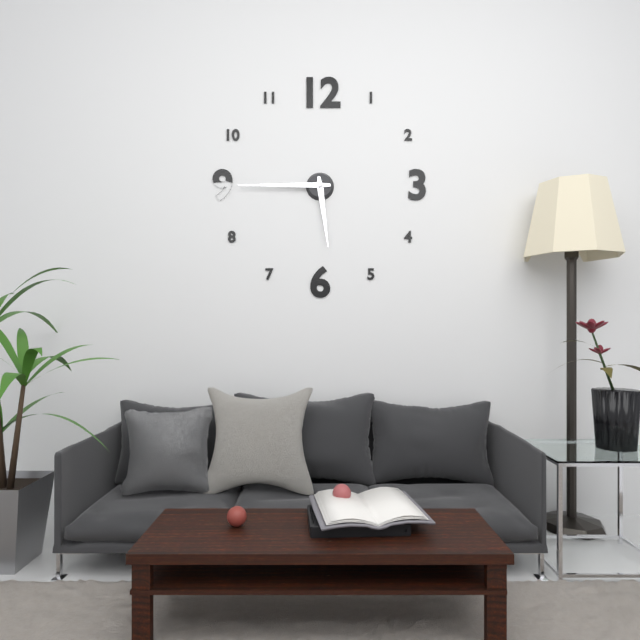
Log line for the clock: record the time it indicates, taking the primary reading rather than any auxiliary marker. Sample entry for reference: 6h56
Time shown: 5h45
